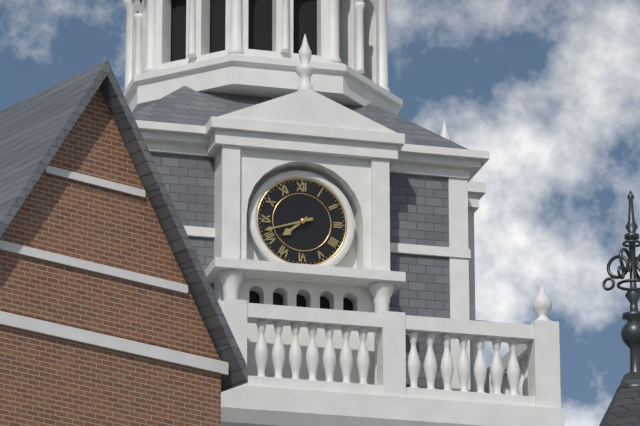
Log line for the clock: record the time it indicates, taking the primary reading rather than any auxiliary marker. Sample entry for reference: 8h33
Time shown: 7h42
